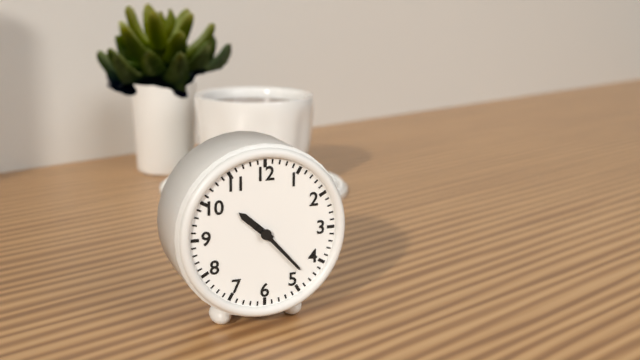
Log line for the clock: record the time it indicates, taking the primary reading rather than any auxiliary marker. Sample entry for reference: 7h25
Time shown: 10h23
